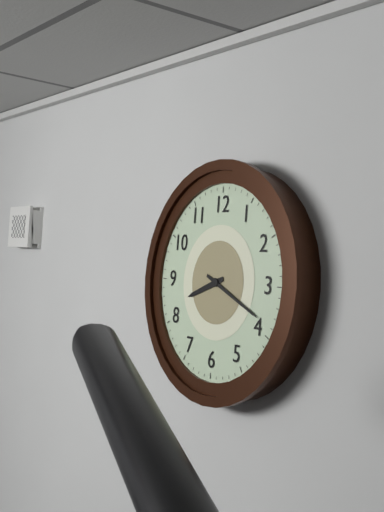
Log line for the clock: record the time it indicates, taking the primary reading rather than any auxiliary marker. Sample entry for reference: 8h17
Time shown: 8h19
